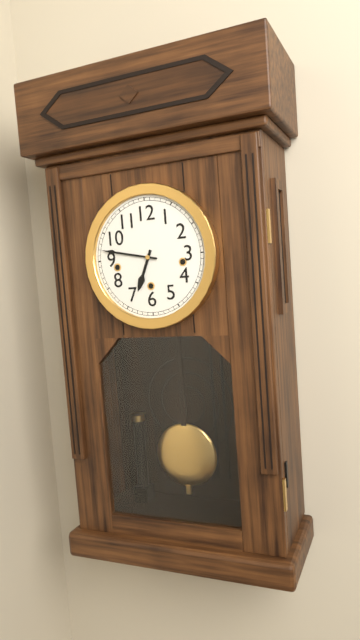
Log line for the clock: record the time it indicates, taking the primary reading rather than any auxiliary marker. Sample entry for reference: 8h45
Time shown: 6h47
